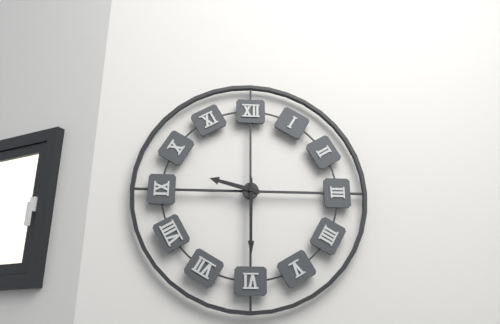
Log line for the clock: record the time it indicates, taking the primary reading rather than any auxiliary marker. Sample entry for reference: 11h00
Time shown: 9h30
